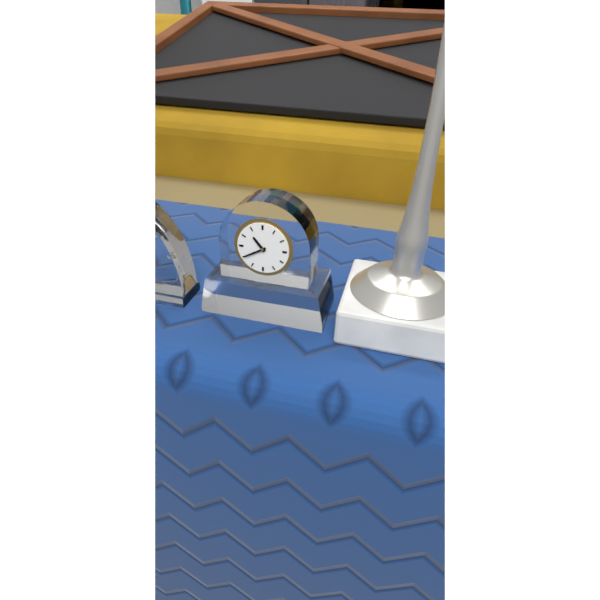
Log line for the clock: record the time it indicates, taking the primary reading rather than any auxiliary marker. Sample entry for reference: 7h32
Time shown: 10h40
